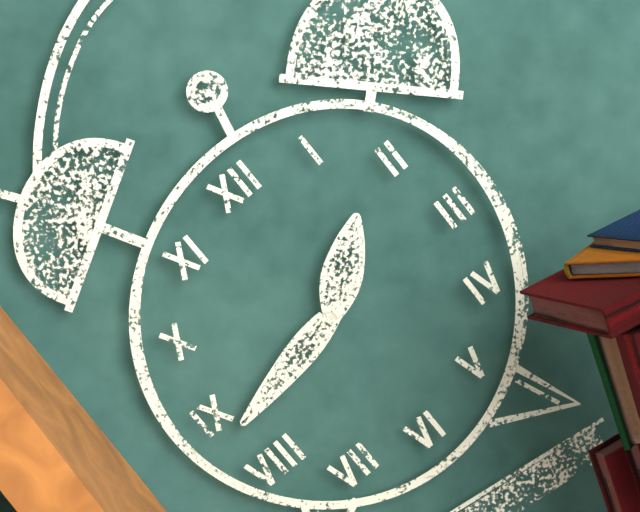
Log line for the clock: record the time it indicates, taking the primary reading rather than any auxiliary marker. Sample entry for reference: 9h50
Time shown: 1h43
